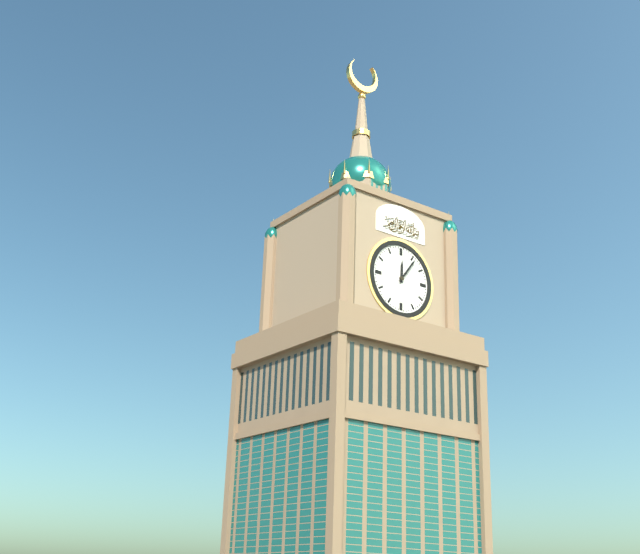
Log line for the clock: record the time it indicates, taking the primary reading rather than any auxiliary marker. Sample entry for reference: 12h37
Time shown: 12h06
